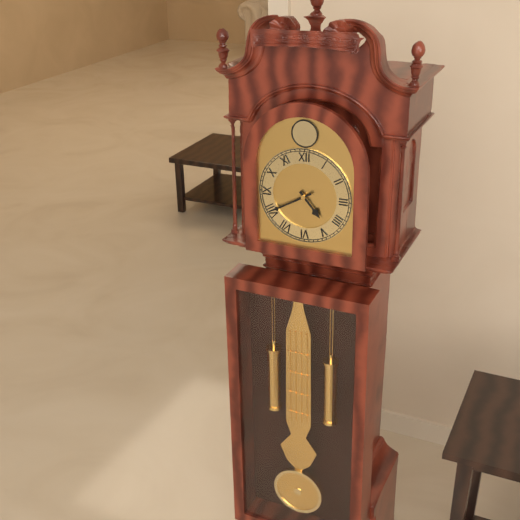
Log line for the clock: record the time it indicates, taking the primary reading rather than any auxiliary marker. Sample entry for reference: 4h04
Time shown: 4h40
